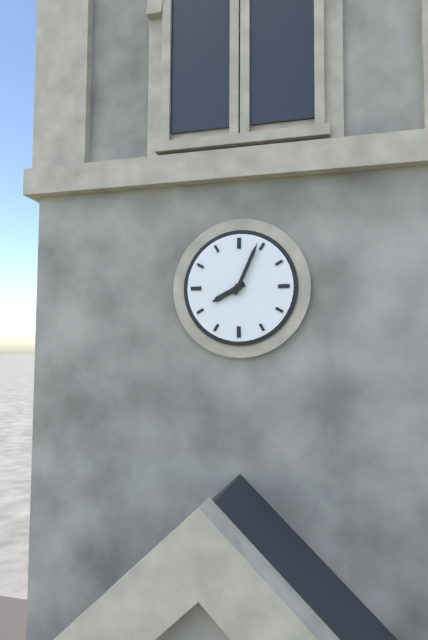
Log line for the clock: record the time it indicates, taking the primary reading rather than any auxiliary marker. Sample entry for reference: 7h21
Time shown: 8h04
